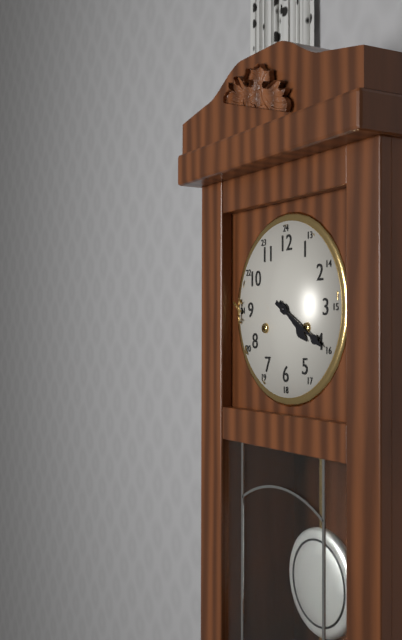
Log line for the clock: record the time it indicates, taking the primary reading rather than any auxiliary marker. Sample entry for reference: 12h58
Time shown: 4h20
